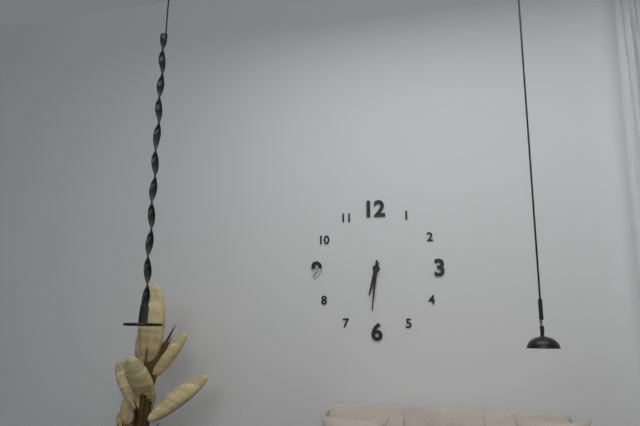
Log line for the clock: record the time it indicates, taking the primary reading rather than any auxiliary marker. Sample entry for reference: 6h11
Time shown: 6h31
